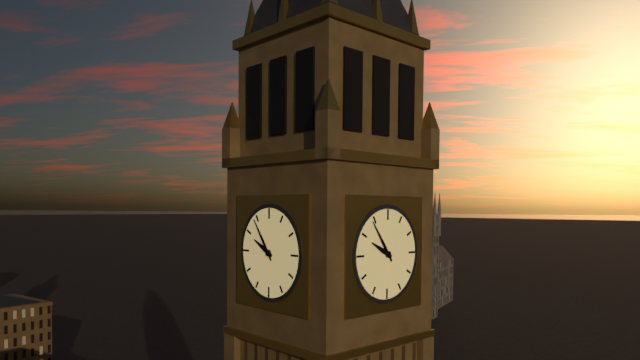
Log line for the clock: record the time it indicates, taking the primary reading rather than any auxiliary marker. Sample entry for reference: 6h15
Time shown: 9h54
